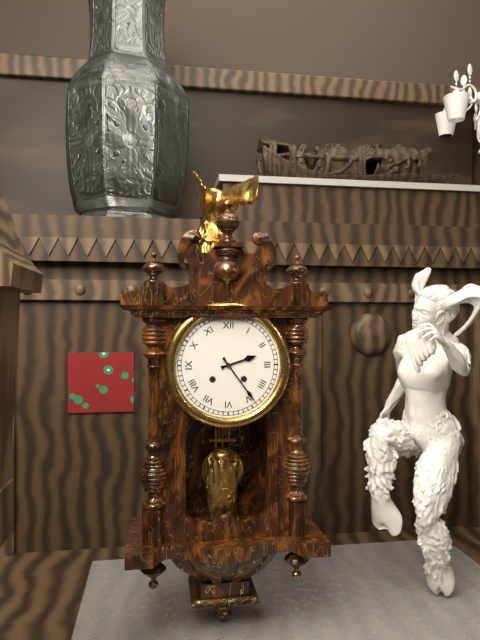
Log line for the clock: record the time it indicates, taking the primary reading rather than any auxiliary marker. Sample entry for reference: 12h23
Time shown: 2h24
